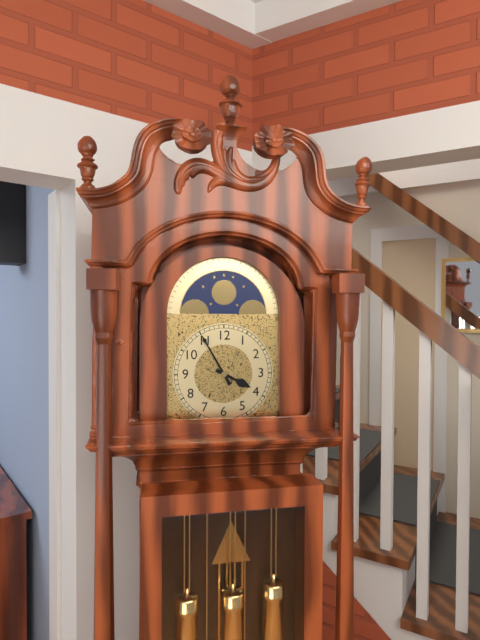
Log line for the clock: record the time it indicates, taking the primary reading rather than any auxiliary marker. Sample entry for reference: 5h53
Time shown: 3h55
